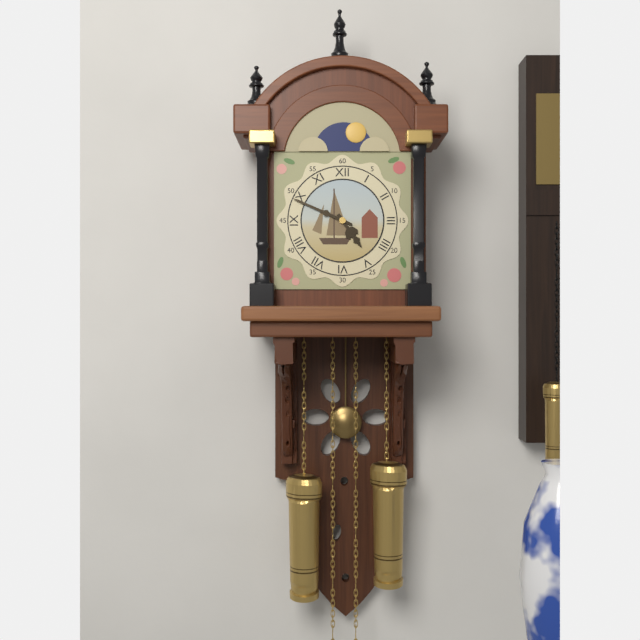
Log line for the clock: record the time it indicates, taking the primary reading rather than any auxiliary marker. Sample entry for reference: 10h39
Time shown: 4h49
